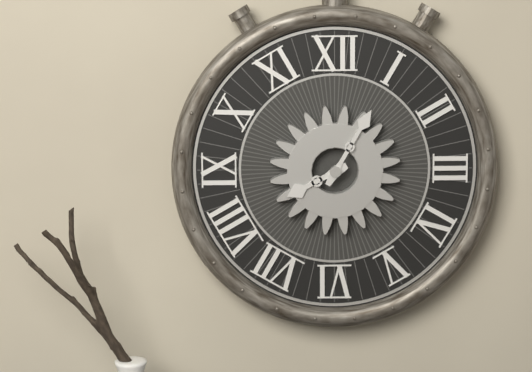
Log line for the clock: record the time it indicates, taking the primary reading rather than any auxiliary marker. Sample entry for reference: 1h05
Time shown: 8h05
